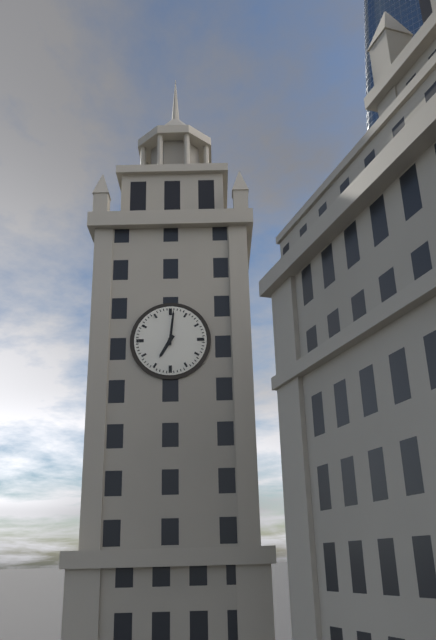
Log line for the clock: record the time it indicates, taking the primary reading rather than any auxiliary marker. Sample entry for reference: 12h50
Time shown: 7h01
